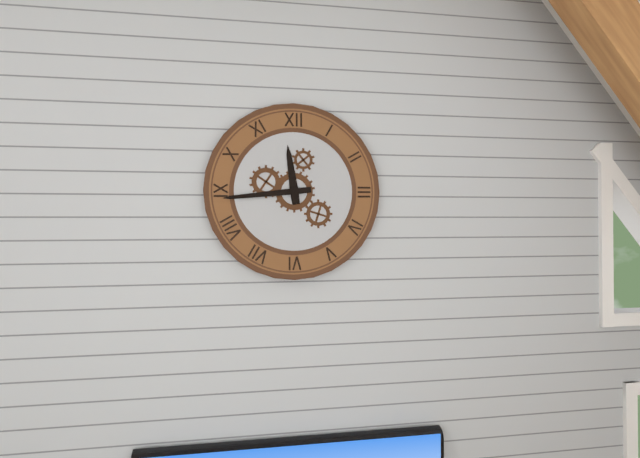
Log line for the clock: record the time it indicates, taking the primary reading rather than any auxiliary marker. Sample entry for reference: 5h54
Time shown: 11h44
